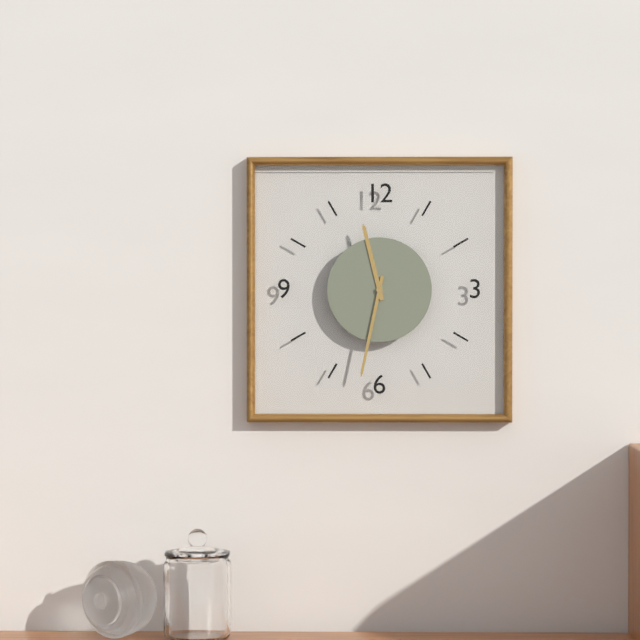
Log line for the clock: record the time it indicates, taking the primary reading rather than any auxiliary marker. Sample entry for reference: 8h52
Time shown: 11h32
